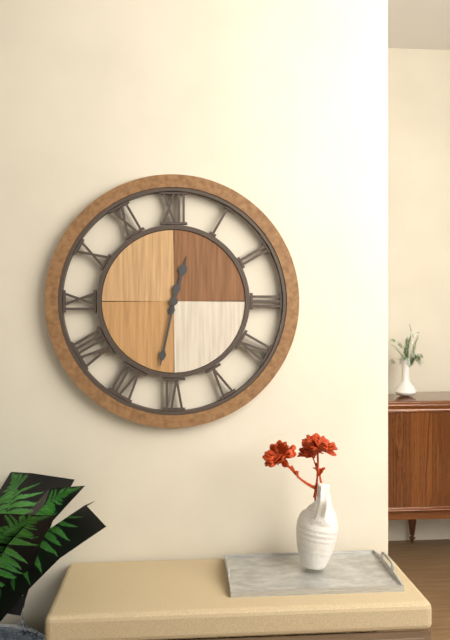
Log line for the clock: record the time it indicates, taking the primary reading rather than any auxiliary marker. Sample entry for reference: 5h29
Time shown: 12h32
